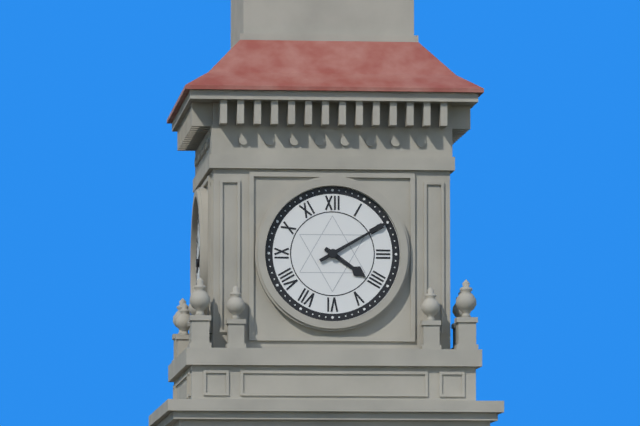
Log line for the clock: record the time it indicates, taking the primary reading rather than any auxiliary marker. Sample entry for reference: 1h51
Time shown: 4h10
